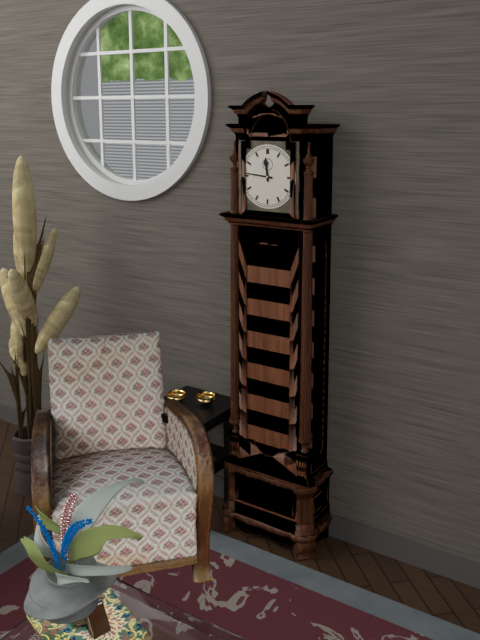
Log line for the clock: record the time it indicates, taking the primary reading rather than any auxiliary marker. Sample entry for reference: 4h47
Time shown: 11h46
